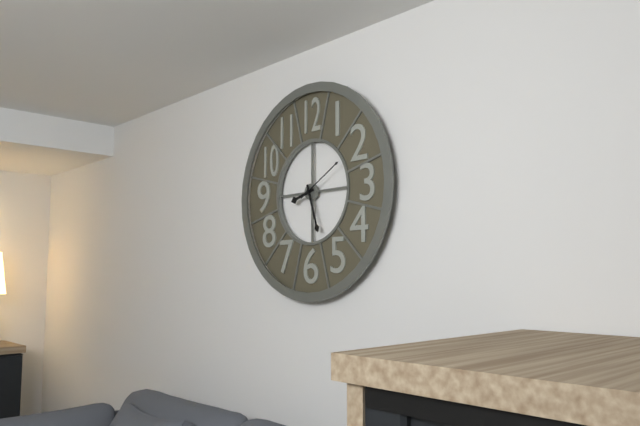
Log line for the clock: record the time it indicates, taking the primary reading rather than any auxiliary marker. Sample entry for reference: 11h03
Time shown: 8h27
